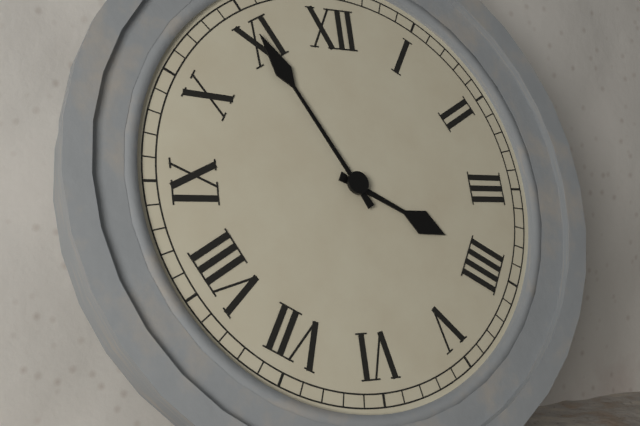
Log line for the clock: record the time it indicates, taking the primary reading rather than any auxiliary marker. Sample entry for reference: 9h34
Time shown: 3h55
